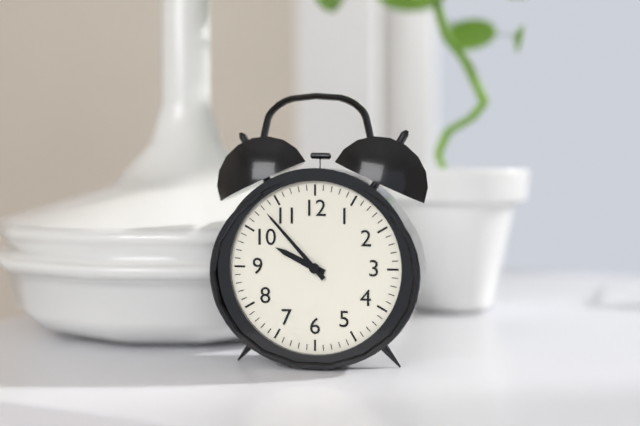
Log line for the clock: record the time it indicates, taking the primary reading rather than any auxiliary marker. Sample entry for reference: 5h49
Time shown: 9h53
